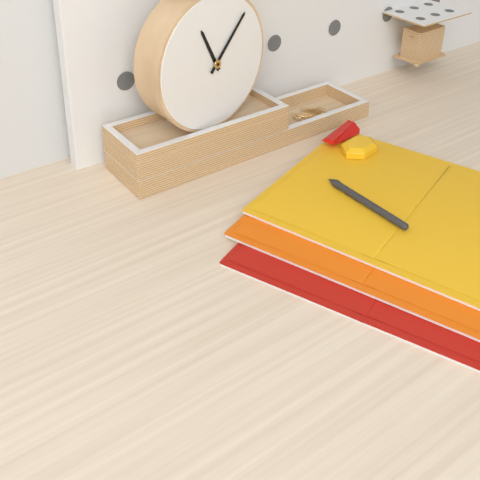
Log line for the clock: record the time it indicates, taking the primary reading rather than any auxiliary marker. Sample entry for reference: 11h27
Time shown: 11h07
